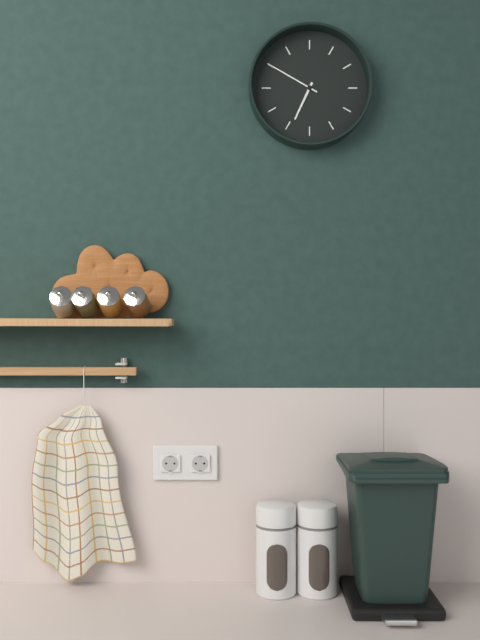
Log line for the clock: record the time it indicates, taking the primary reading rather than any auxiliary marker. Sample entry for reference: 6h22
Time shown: 6h50
